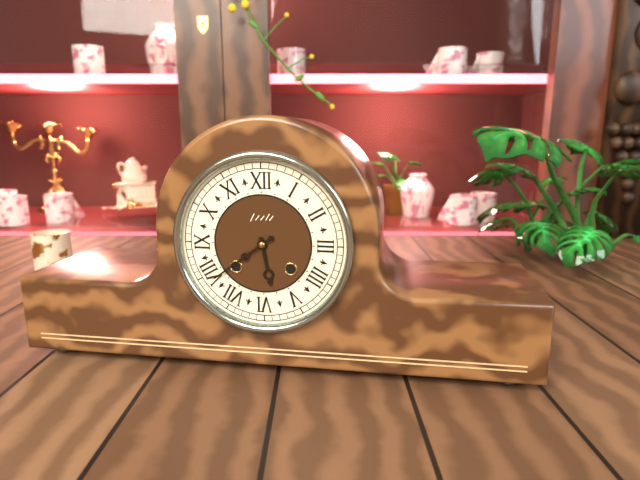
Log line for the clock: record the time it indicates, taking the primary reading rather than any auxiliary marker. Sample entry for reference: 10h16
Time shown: 5h39
